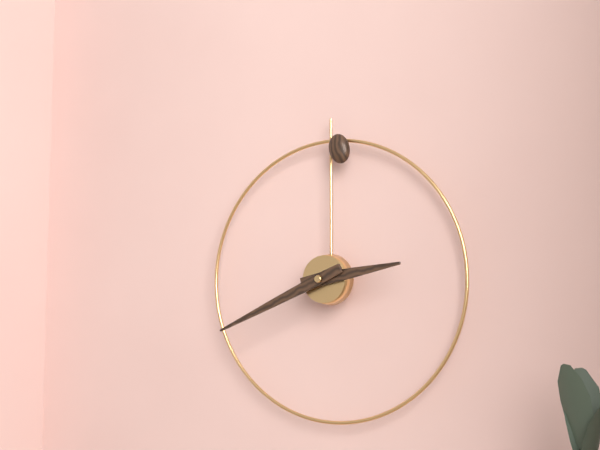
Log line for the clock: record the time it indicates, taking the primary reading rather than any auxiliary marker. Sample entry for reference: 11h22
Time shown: 2h41
